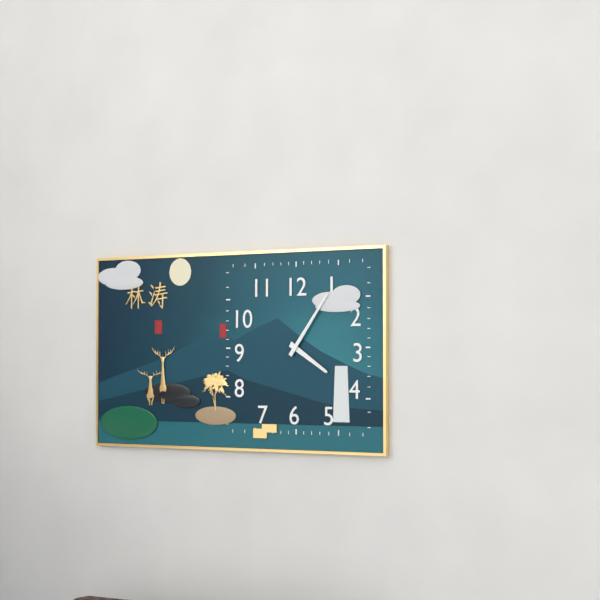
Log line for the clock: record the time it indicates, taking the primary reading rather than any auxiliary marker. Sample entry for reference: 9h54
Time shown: 4h06
